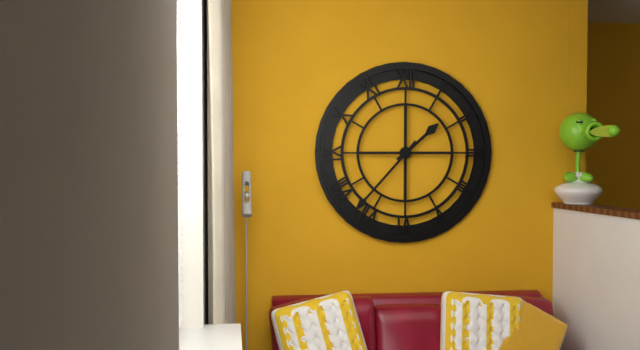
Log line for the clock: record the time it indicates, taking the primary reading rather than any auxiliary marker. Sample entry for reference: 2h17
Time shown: 1h37
